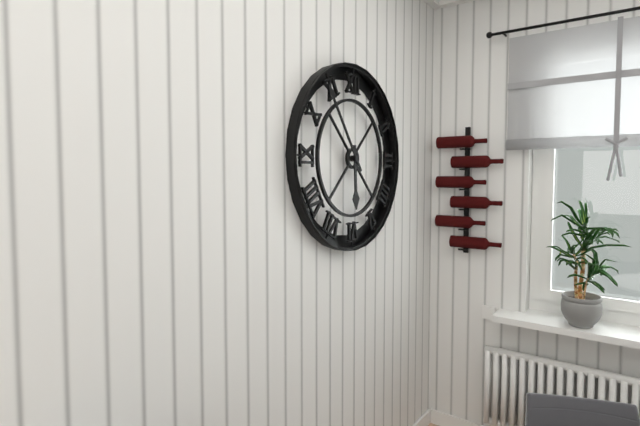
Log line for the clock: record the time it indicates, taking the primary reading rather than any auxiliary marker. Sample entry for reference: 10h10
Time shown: 5h54
